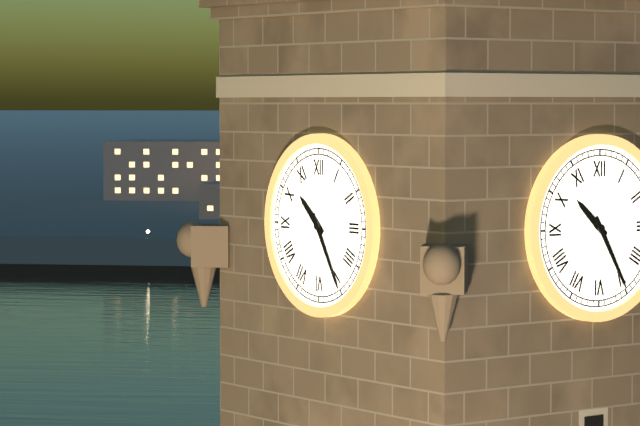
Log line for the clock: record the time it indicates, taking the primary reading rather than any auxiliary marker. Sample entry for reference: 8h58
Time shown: 10h25
